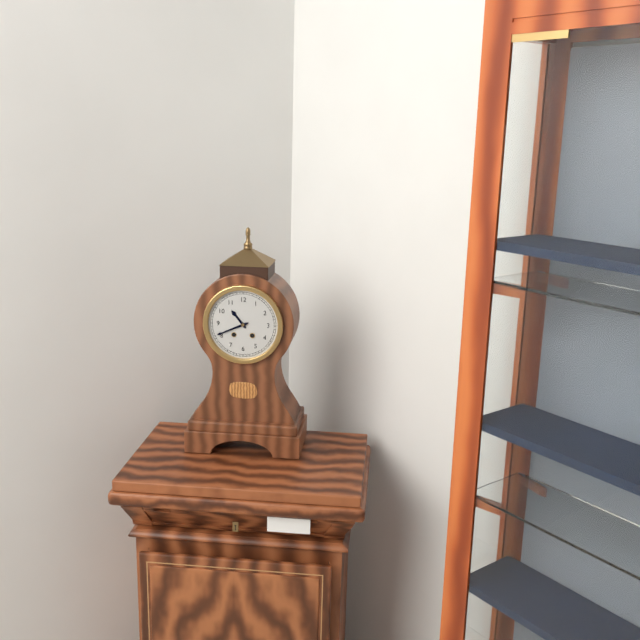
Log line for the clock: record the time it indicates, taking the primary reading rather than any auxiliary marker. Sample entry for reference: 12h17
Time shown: 10h41
